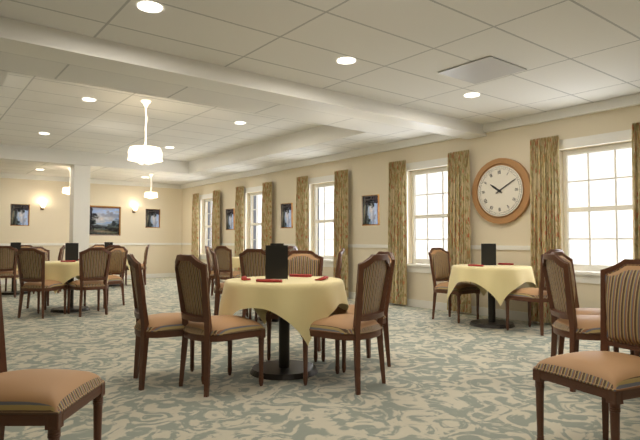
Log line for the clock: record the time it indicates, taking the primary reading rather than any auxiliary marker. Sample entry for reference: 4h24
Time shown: 10h10
